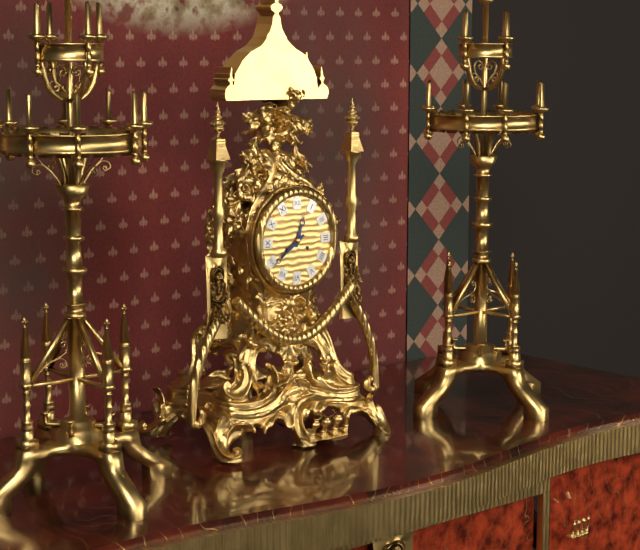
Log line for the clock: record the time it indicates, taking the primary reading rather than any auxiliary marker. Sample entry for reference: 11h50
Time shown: 12h39
